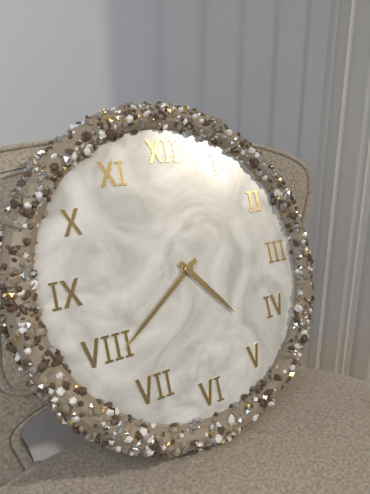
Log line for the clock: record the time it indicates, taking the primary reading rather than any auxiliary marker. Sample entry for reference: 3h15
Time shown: 4h39
